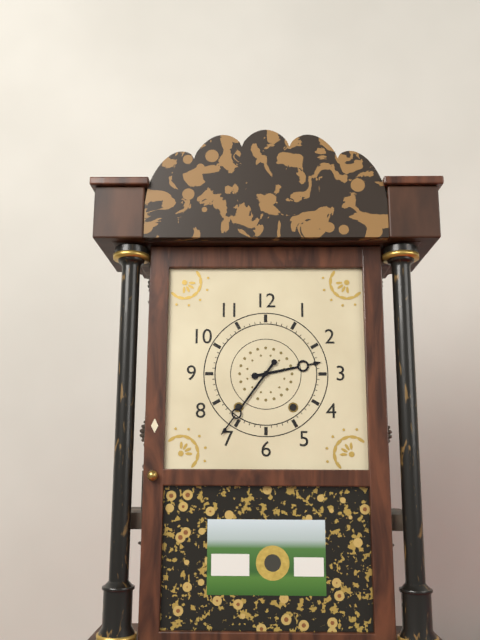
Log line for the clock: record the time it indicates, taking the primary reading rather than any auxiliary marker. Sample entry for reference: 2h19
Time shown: 2h36
